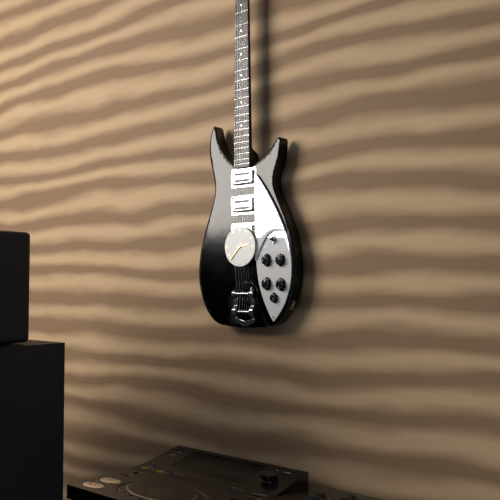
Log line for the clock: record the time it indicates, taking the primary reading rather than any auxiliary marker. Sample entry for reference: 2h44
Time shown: 2h37
